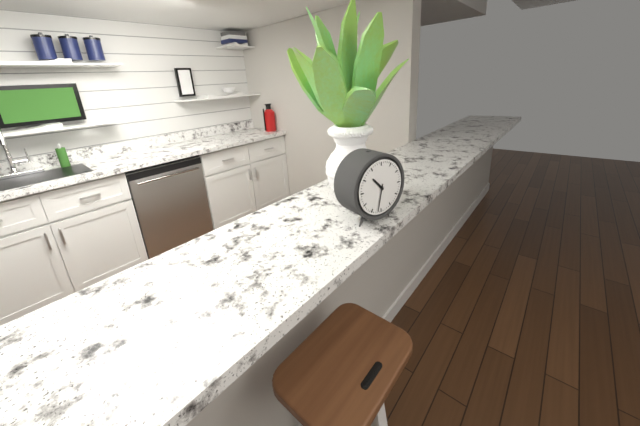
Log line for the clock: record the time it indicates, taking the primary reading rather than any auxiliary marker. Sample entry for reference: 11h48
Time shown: 10h32
